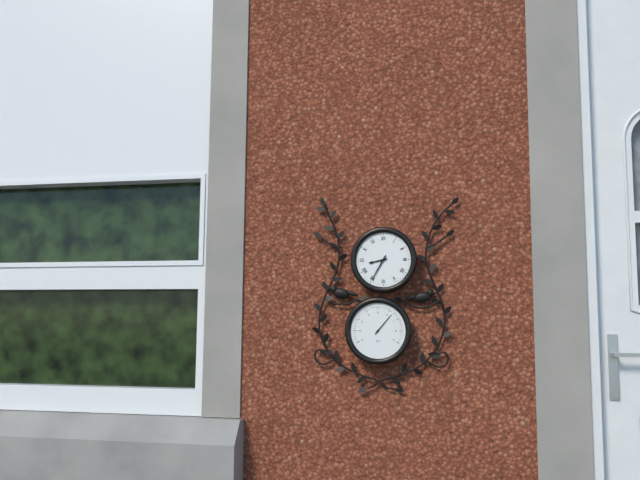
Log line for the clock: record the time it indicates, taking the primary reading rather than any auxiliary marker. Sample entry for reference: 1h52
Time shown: 8h35
